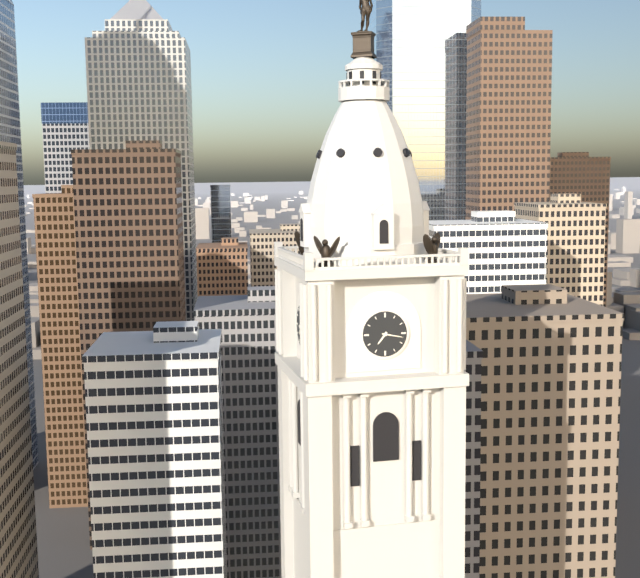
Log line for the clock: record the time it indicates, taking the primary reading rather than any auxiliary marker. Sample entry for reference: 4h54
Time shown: 7h17
